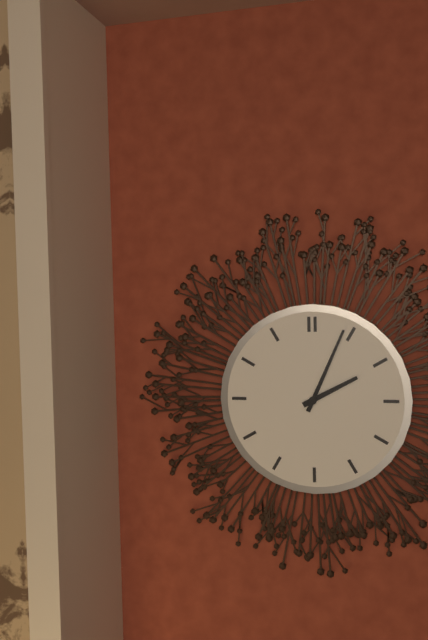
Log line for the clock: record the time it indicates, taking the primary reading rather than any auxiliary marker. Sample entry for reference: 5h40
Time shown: 2h04
